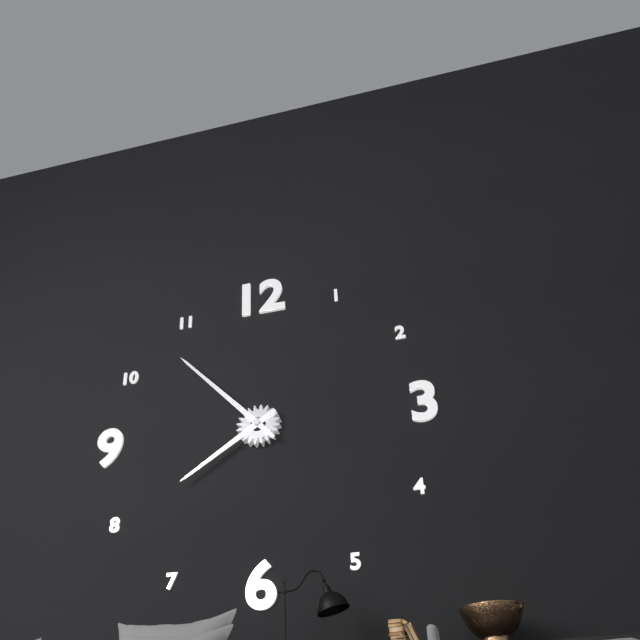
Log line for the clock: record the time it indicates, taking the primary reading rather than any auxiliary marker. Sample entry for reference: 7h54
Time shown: 7h53
